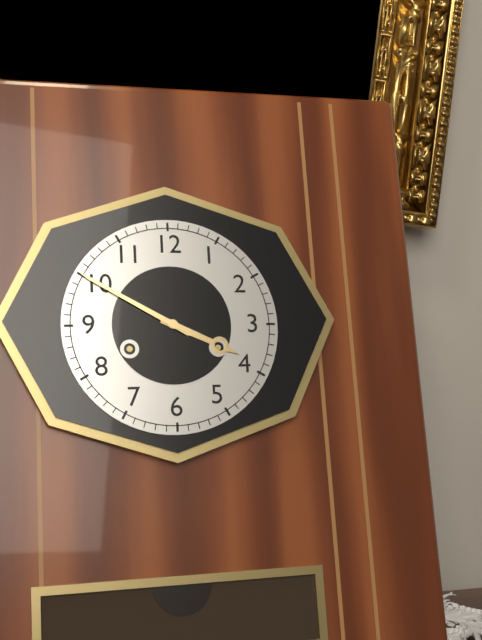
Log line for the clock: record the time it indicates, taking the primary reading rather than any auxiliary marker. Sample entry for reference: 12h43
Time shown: 3h50
